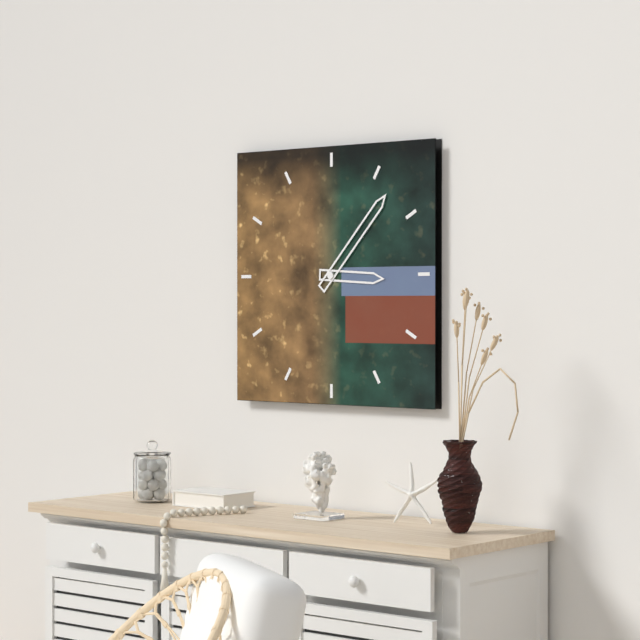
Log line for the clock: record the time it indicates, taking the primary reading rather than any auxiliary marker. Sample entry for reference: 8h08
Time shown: 3h07
